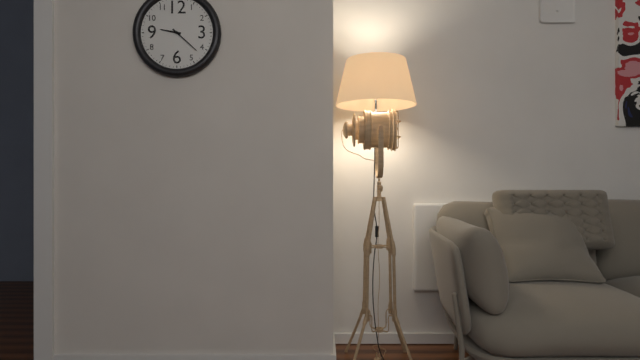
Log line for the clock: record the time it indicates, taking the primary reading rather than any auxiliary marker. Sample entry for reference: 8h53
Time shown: 9h22
